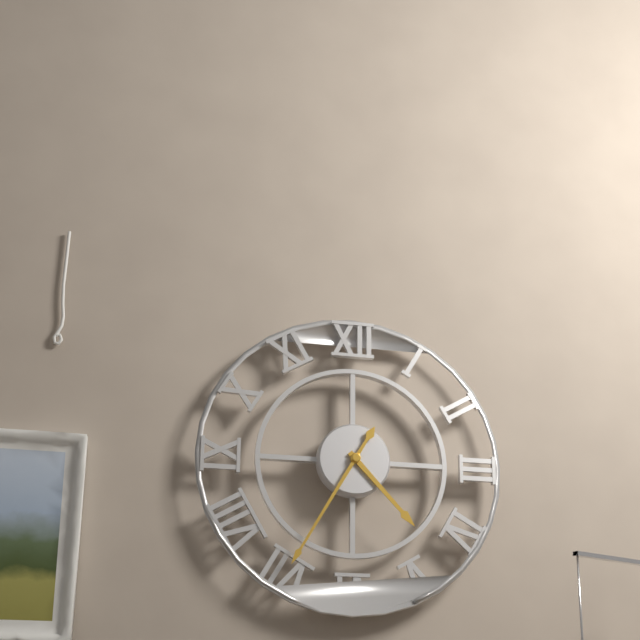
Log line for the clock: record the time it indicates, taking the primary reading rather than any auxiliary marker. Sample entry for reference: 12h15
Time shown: 4h35
